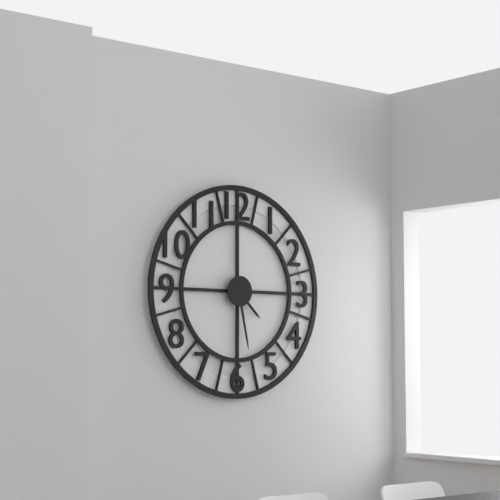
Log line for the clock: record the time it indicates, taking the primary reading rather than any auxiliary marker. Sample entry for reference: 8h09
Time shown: 4h28
